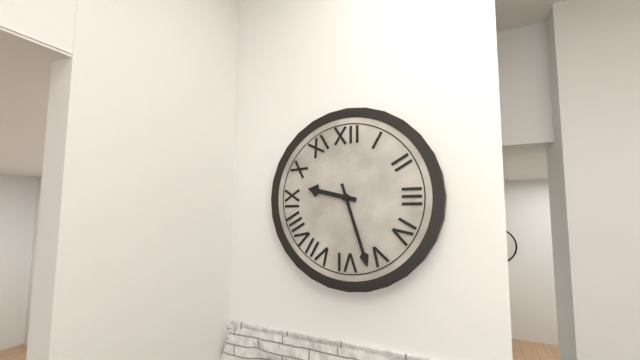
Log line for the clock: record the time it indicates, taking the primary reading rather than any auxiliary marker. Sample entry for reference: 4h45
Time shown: 9h27
